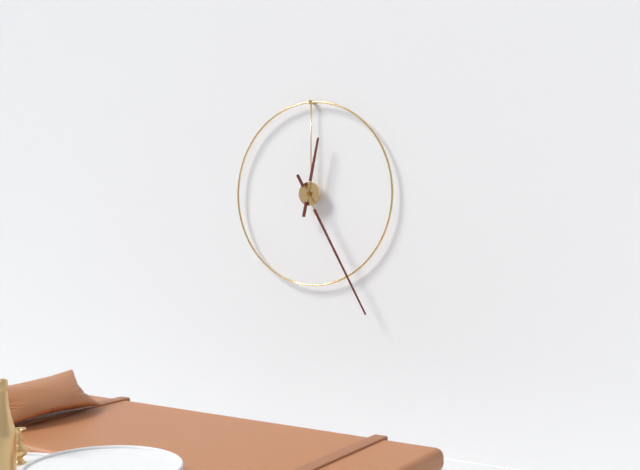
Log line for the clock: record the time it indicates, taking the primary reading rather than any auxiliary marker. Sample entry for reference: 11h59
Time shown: 12h25
